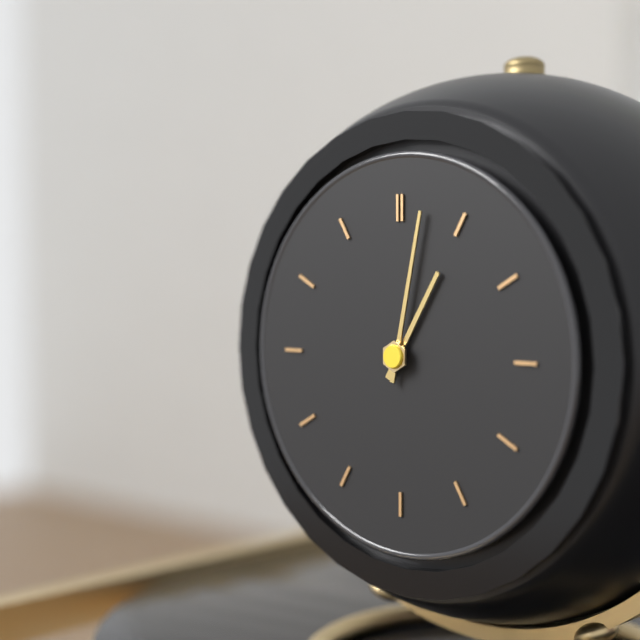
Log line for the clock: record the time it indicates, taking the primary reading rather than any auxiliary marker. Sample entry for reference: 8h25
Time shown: 1h02
